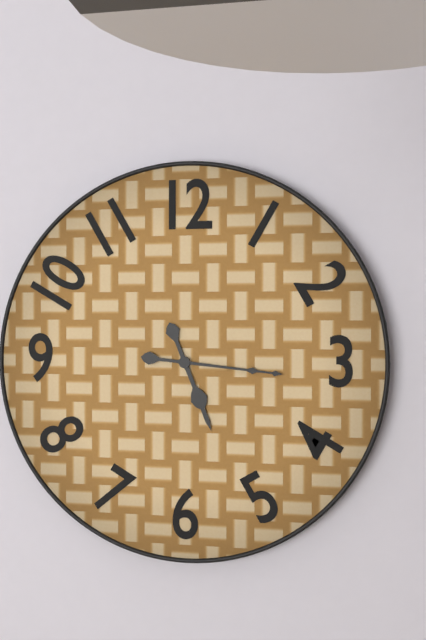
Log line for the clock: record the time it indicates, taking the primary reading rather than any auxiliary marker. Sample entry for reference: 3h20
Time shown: 5h16
